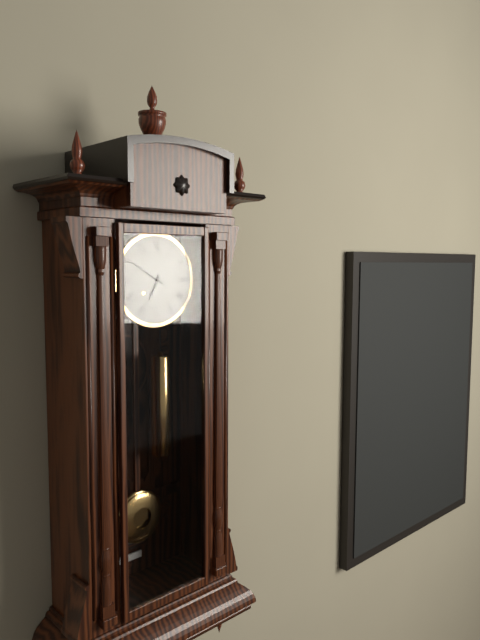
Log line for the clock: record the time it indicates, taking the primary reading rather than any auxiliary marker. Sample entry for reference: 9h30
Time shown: 6h50
